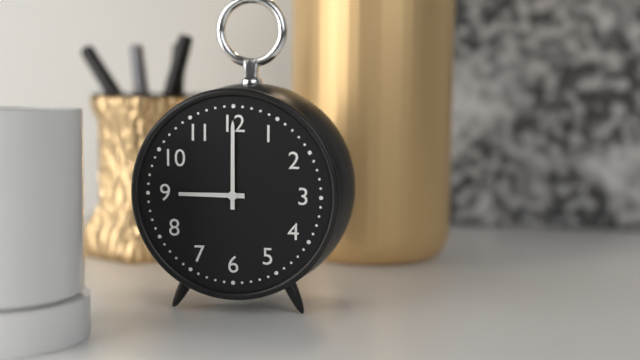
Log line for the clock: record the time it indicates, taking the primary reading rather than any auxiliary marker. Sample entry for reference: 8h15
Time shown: 9h00
